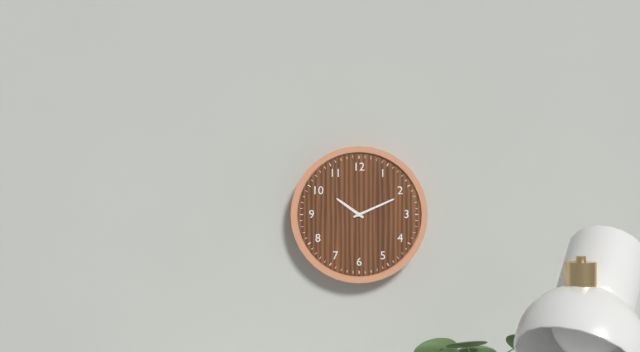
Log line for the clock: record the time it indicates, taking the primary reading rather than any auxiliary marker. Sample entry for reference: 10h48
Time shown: 10h11
